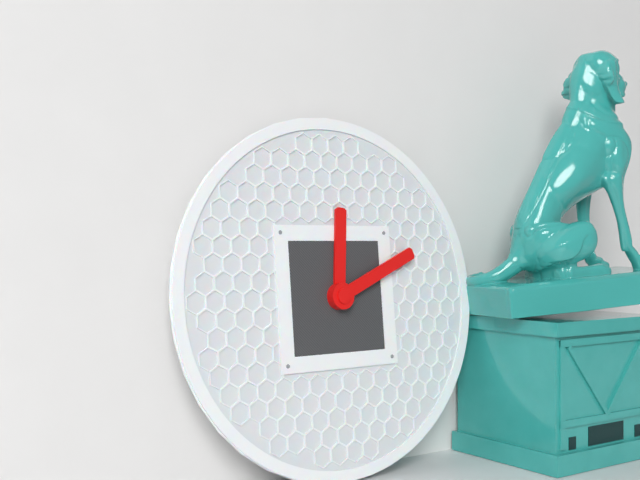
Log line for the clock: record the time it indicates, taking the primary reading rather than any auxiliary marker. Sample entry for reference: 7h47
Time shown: 12h11
